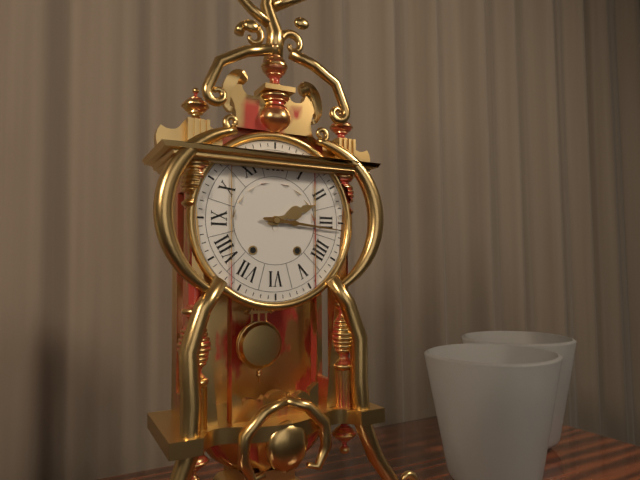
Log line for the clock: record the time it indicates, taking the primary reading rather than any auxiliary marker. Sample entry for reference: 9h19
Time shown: 2h16
